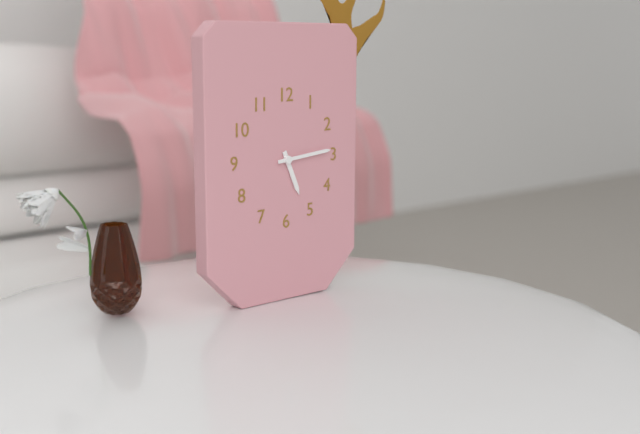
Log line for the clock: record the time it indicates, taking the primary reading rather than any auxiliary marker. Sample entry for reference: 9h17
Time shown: 5h14
